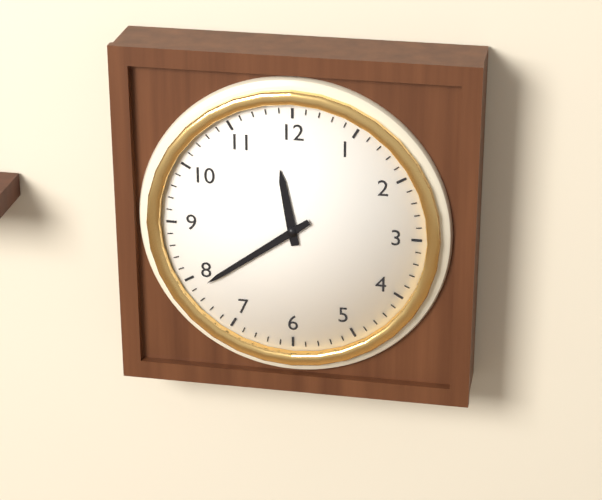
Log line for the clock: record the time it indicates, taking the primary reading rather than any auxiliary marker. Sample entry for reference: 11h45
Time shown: 11h39
